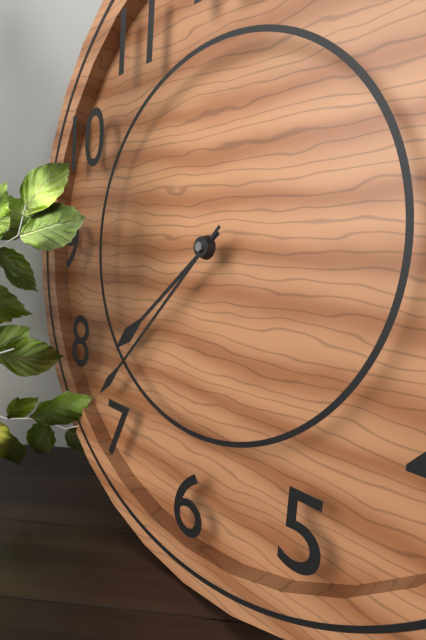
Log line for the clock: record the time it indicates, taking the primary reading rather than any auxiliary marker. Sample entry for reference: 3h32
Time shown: 7h37
